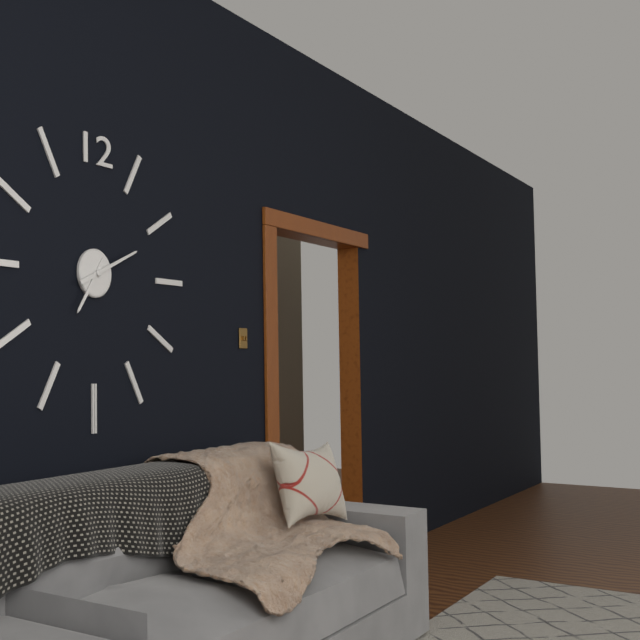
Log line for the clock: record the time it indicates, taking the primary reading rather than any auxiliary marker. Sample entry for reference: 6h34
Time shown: 7h11
